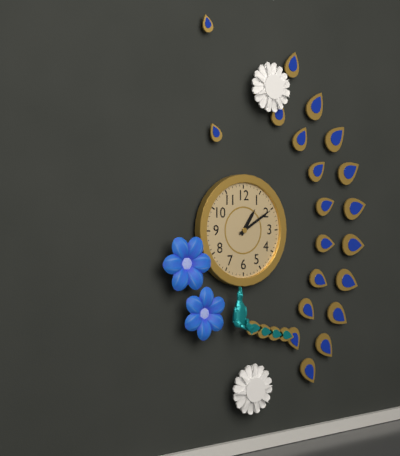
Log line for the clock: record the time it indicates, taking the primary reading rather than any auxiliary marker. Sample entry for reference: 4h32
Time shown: 1h10
